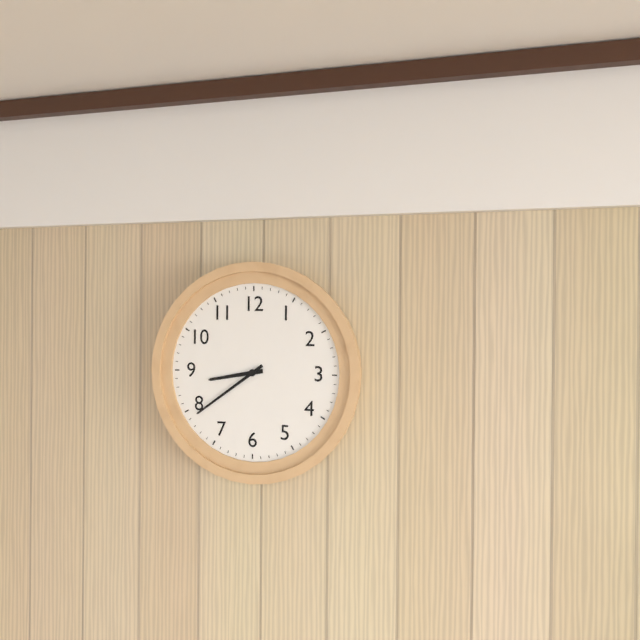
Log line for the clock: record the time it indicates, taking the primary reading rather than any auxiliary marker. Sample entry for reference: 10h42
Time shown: 8h39
